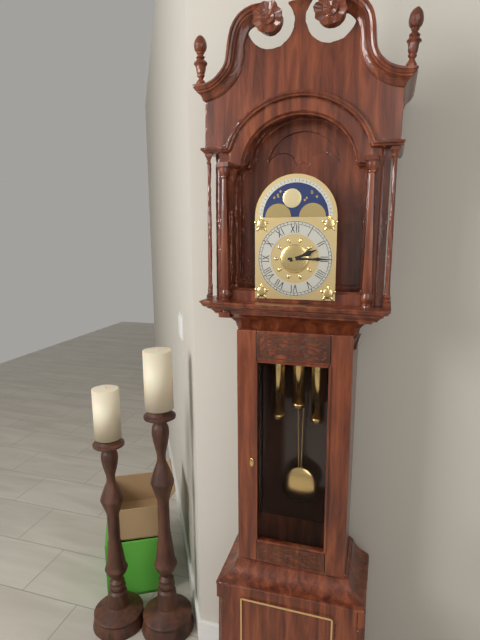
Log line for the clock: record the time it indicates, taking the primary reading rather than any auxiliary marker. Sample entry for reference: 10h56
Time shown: 2h15
